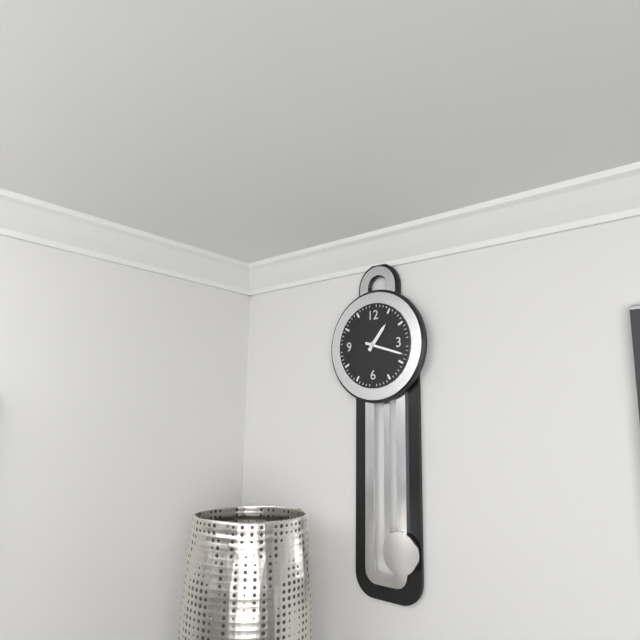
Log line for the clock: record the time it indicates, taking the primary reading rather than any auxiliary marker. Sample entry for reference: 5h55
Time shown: 1h18
